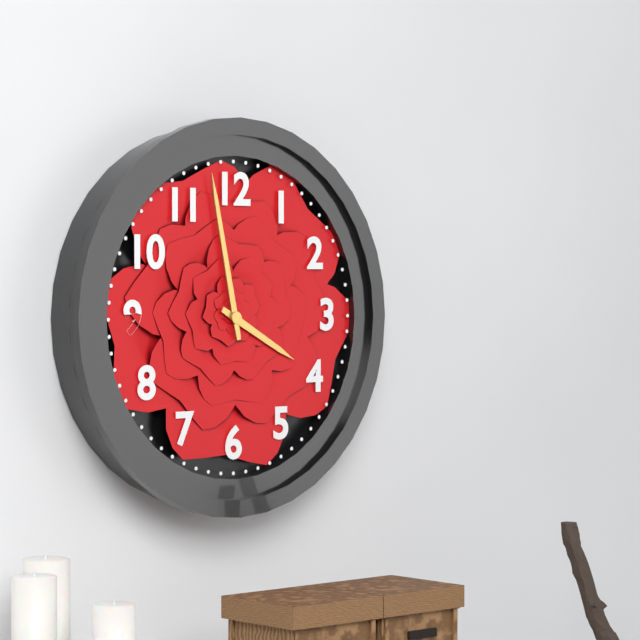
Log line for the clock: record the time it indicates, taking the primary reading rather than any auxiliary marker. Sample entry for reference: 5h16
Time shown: 3h58
